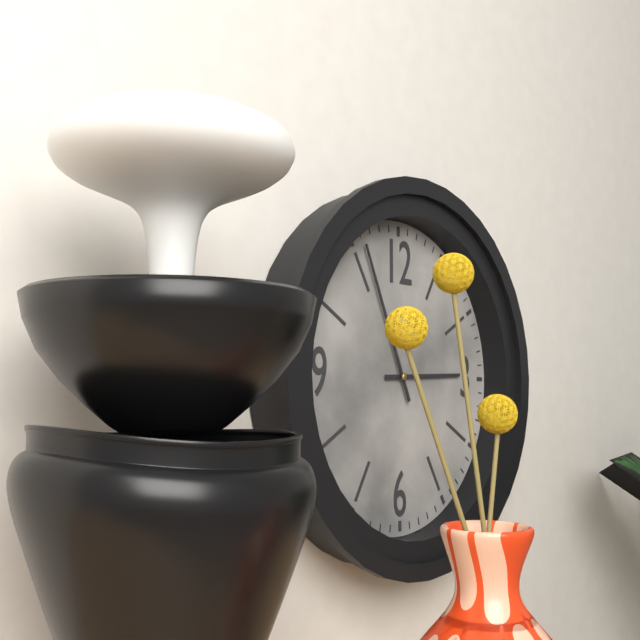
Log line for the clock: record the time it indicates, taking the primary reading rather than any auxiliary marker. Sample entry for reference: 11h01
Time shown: 2h56
